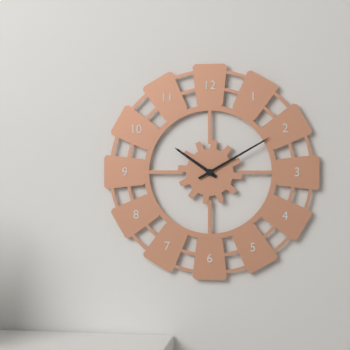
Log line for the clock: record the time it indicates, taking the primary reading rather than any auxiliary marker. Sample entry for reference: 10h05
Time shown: 10h10
